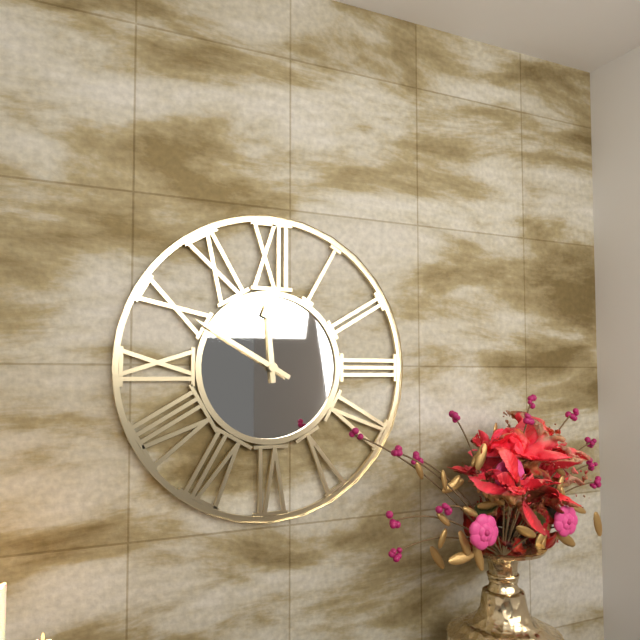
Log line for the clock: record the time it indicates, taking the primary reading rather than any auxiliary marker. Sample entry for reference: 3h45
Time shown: 11h50
